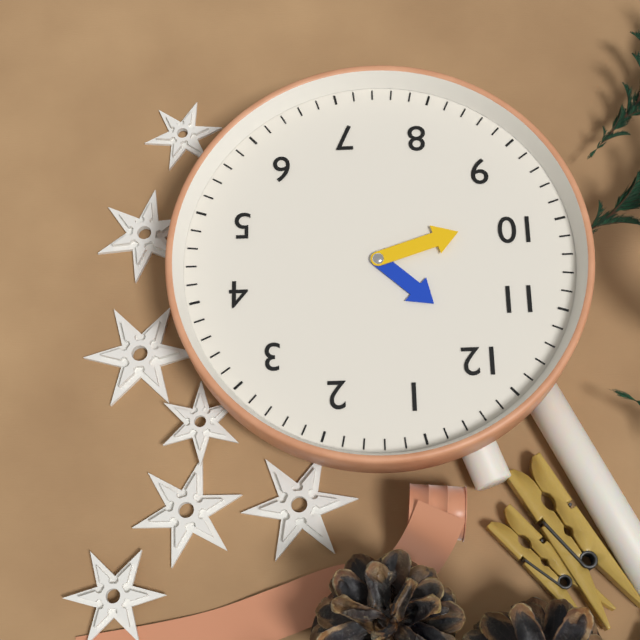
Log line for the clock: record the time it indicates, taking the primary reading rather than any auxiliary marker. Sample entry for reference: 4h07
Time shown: 11h49
